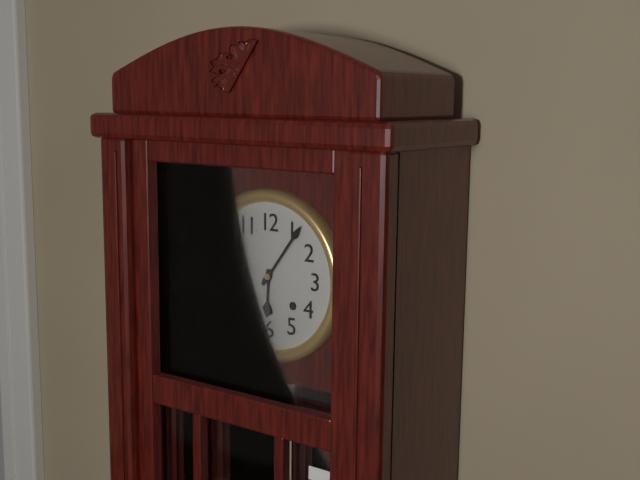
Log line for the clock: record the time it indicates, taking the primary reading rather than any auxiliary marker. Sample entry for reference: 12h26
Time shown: 6h06
